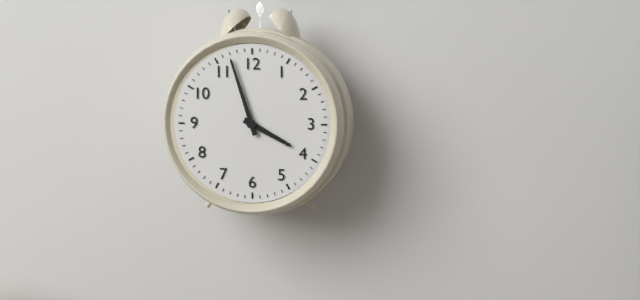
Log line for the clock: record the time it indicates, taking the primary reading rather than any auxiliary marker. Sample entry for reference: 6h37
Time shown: 3h57
